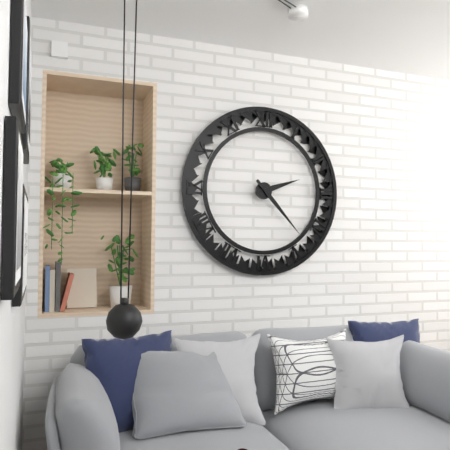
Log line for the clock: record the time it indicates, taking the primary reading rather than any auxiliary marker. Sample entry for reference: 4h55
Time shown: 2h23
